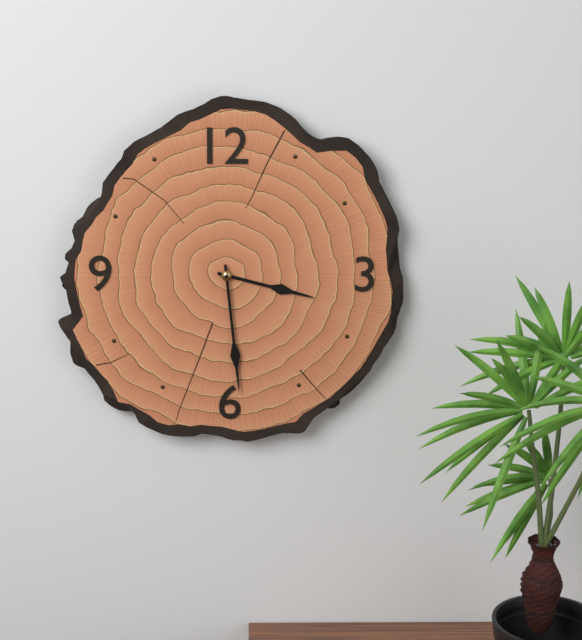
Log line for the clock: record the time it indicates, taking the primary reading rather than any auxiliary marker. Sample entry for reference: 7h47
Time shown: 3h29
